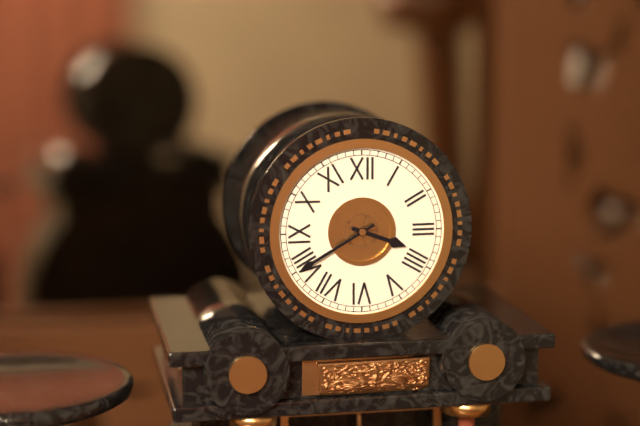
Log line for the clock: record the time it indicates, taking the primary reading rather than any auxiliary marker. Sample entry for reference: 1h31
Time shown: 3h40
